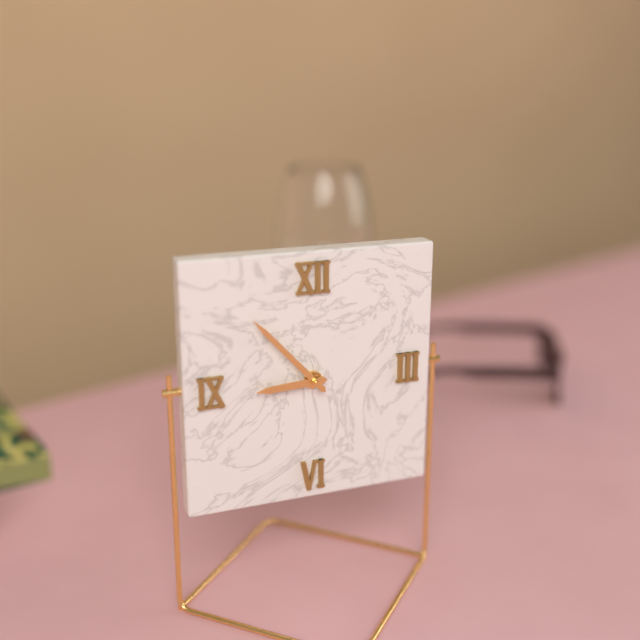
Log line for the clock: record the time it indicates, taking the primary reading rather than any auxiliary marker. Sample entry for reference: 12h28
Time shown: 8h53
